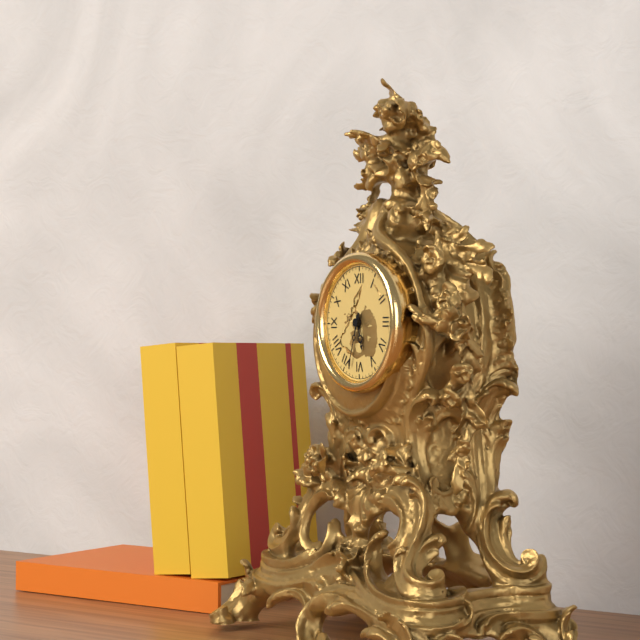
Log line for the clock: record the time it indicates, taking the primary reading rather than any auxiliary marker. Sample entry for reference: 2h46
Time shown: 5h33
